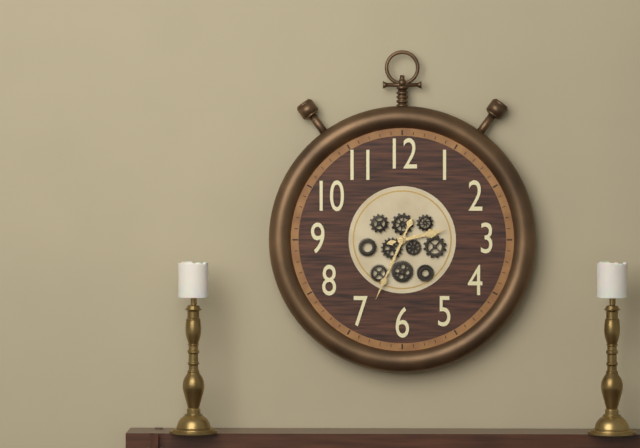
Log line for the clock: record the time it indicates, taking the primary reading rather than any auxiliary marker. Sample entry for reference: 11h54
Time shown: 2h34
